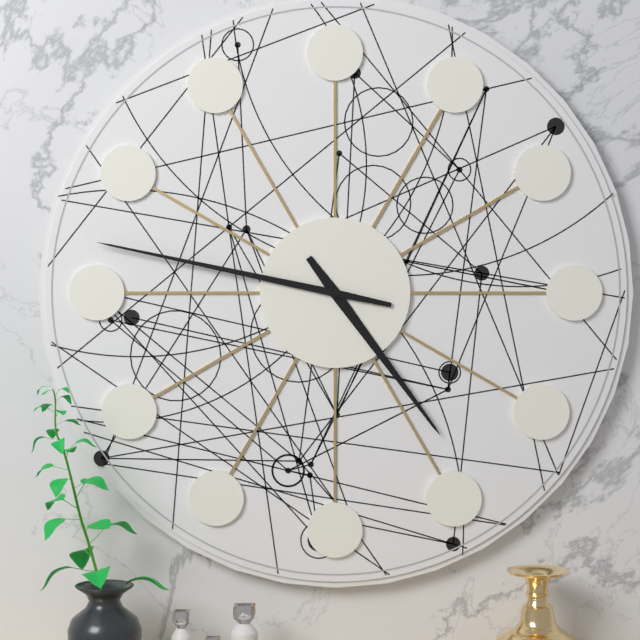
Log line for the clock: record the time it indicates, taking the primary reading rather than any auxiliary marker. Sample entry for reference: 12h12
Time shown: 4h47
